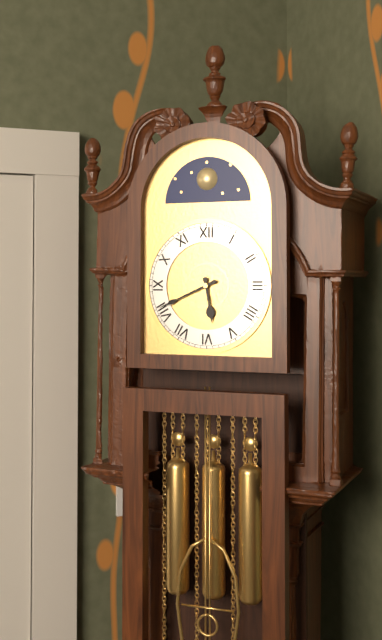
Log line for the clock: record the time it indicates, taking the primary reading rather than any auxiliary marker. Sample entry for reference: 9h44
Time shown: 5h41
